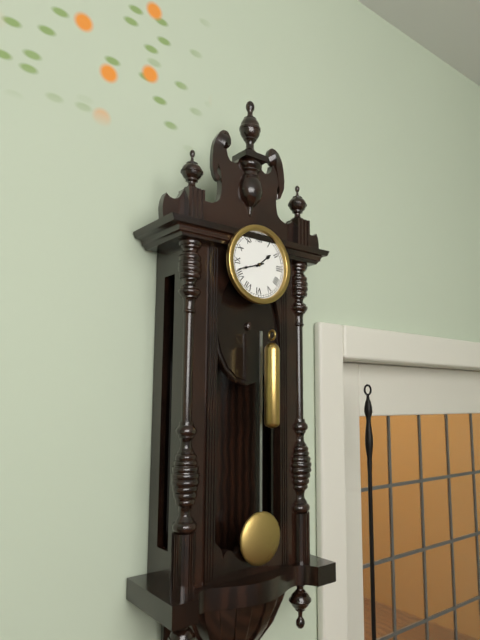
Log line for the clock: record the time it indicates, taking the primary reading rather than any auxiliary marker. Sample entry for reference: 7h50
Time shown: 1h42
